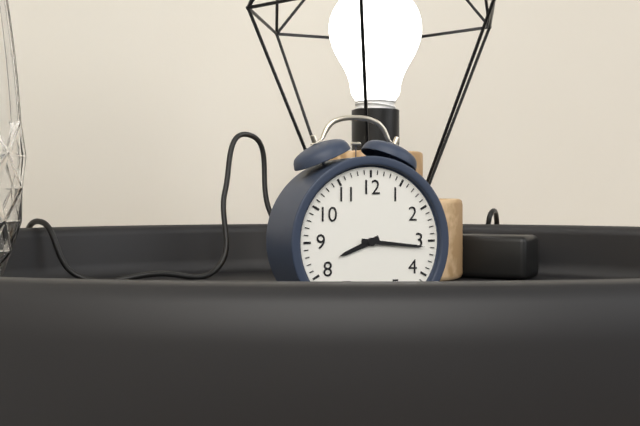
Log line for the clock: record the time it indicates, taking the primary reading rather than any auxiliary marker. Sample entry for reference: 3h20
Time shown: 8h16
